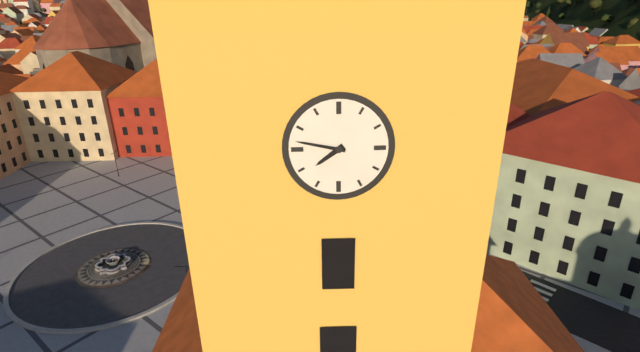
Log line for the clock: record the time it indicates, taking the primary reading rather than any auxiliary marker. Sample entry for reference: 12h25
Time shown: 7h47
